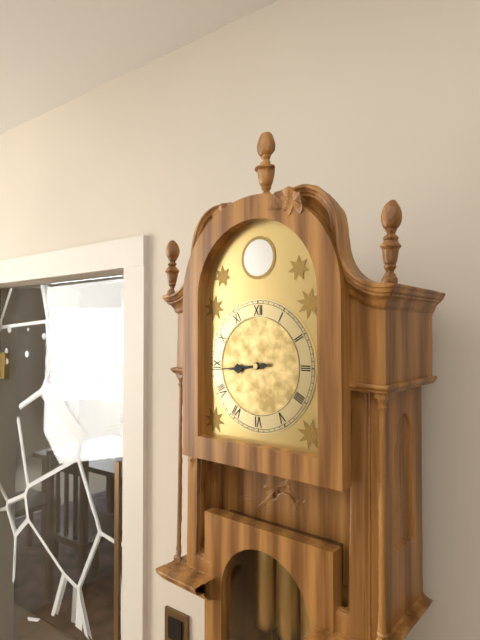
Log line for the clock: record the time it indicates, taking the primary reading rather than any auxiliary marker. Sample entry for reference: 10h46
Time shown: 8h44
